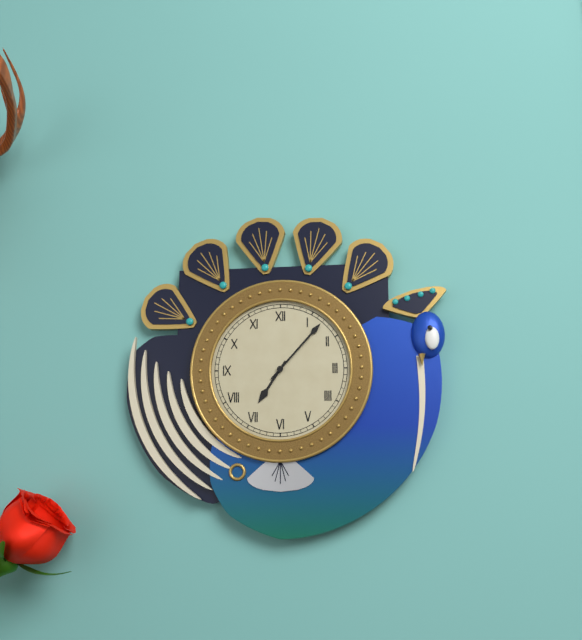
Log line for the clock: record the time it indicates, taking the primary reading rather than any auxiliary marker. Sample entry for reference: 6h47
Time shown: 7h07
